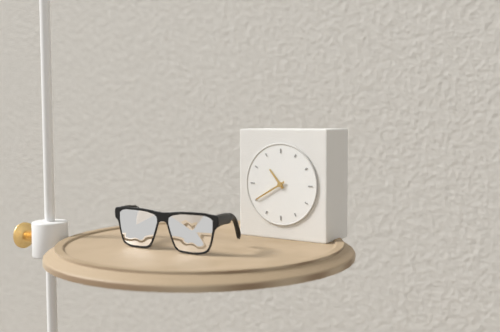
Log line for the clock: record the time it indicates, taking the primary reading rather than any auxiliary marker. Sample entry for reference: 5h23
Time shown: 10h40
